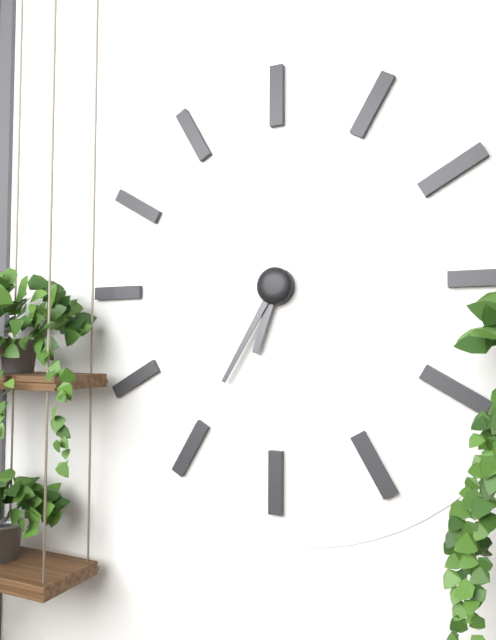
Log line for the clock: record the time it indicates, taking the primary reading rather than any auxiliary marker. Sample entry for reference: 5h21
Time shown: 6h35
